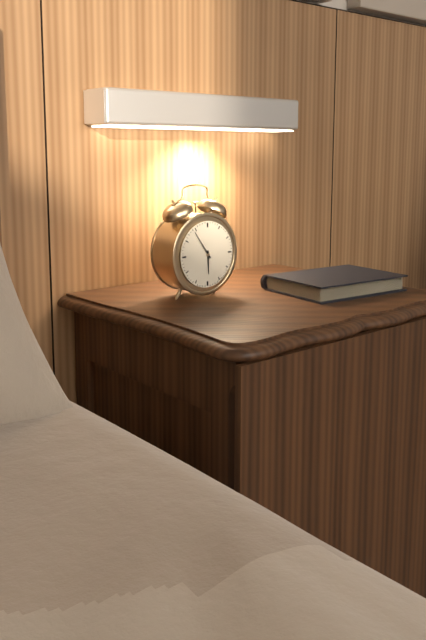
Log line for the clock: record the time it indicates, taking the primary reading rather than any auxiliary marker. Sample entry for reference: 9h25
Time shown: 5h54
